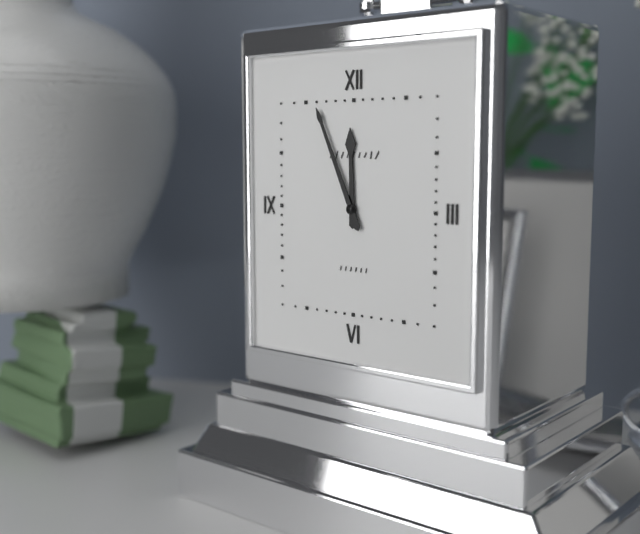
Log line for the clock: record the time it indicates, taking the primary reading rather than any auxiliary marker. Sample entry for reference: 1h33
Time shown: 11h56
